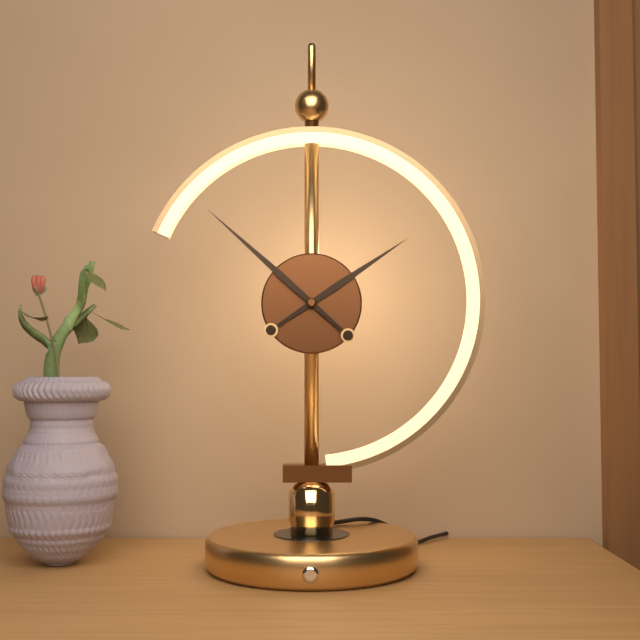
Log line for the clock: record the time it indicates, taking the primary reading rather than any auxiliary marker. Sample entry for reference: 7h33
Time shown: 1h52
